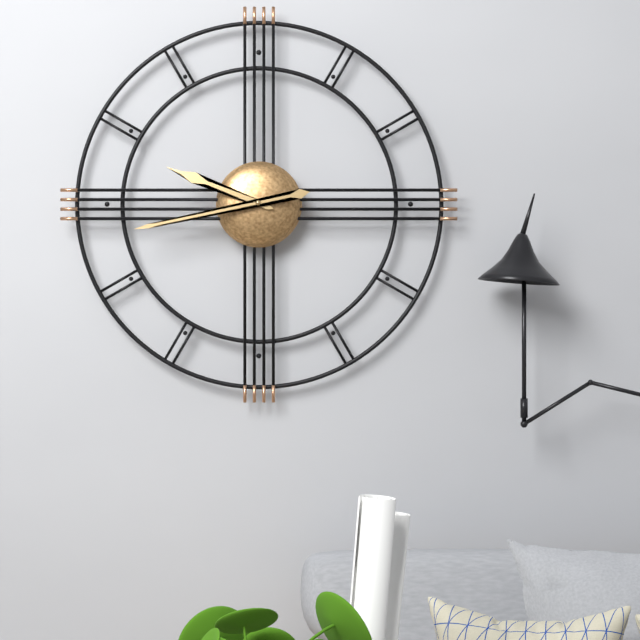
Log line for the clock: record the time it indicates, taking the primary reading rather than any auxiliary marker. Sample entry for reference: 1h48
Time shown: 9h43
